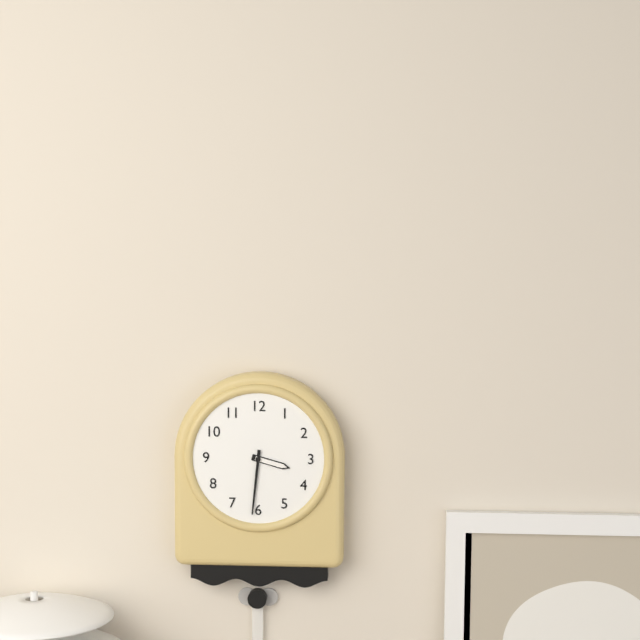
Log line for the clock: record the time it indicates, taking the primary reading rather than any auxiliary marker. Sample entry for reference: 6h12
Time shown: 3h31
